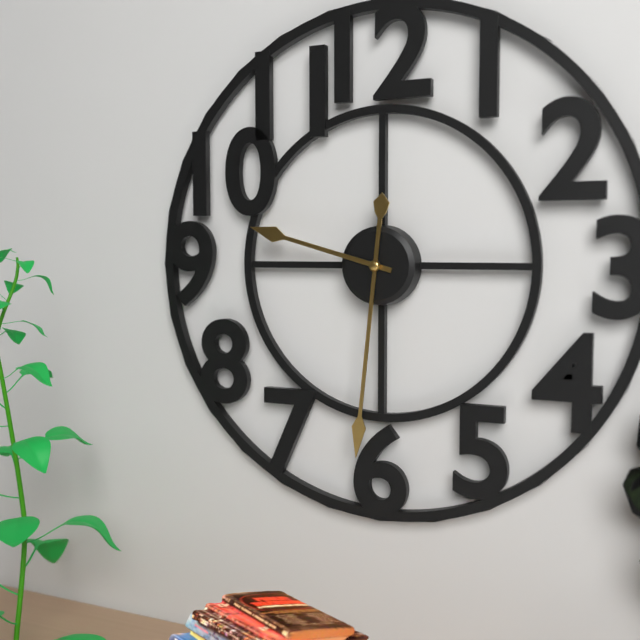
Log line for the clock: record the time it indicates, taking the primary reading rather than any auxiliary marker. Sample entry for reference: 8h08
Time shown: 9h31
